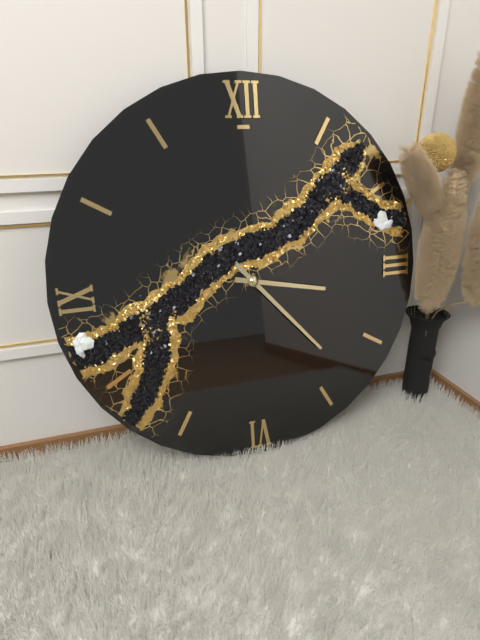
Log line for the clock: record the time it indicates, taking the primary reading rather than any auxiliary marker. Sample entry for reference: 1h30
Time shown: 3h23
